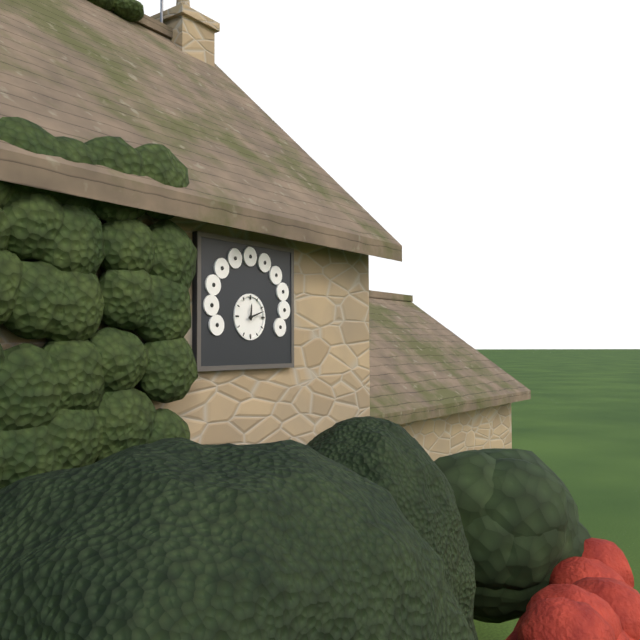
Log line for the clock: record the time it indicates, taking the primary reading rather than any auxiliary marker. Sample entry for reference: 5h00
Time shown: 12h12
